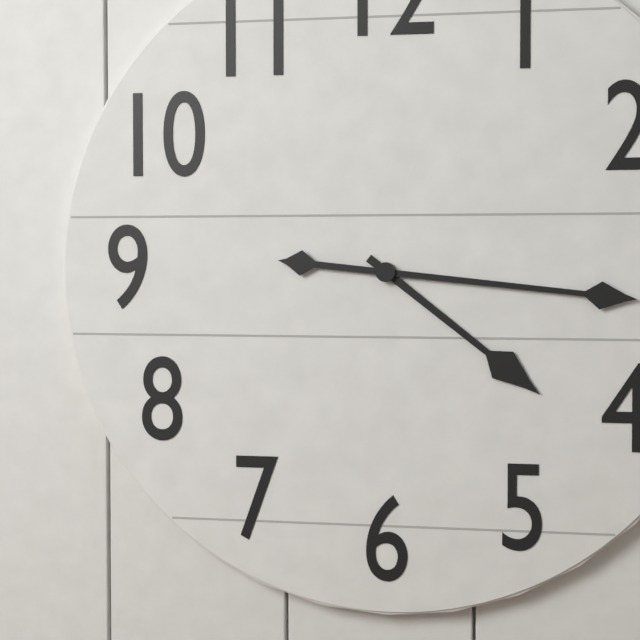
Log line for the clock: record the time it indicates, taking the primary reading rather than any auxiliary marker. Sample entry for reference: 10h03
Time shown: 4h16
